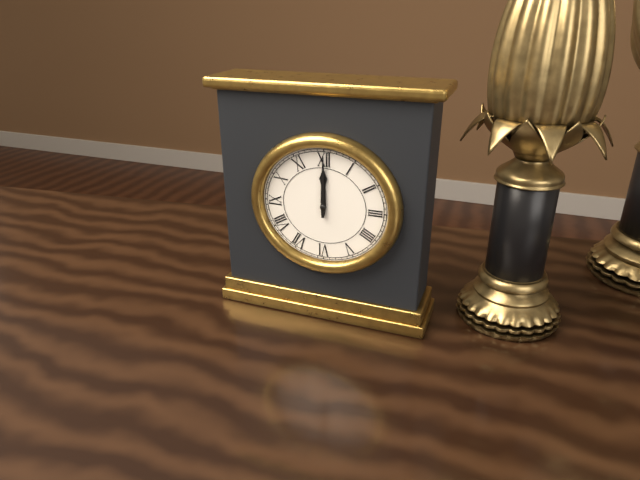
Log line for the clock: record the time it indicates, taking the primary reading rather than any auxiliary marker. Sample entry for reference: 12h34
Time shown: 12h00
